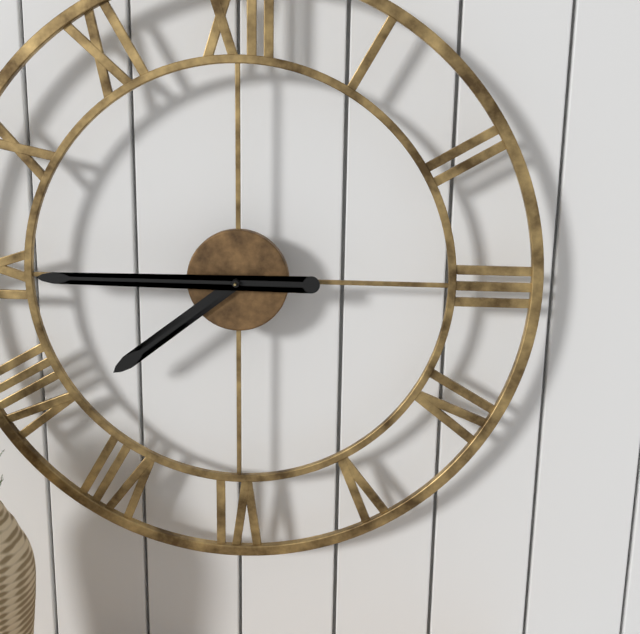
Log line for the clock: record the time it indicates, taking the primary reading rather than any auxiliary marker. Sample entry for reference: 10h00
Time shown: 7h45
